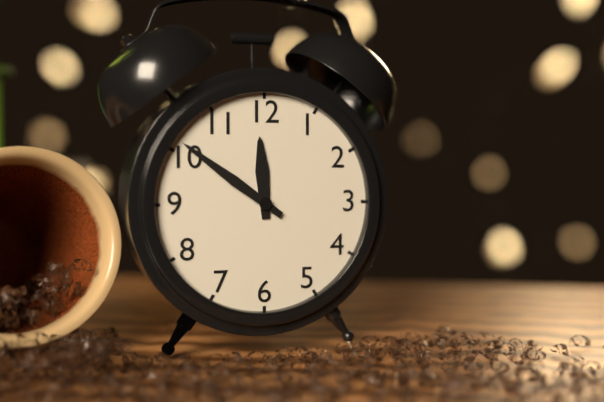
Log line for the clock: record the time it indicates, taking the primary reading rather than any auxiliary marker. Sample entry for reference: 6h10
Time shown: 11h51
